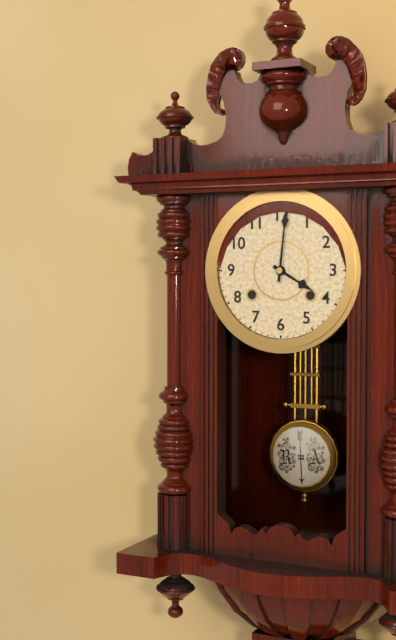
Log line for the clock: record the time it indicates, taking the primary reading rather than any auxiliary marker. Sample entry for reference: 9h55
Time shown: 4h01
